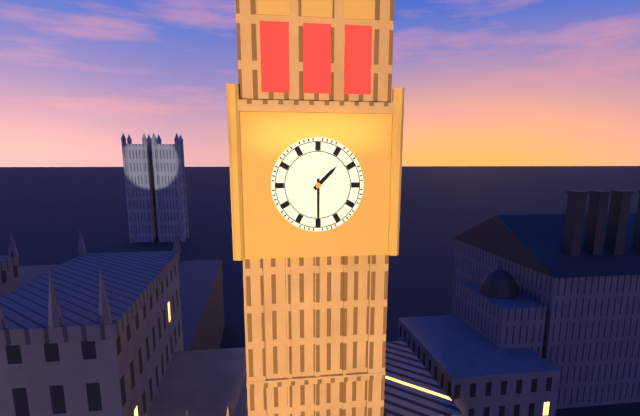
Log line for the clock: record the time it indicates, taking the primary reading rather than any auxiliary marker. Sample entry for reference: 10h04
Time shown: 1h30
